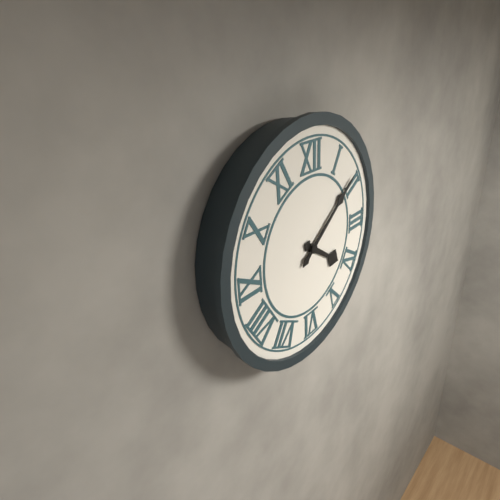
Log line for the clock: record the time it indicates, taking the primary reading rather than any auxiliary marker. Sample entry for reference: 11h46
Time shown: 4h09
